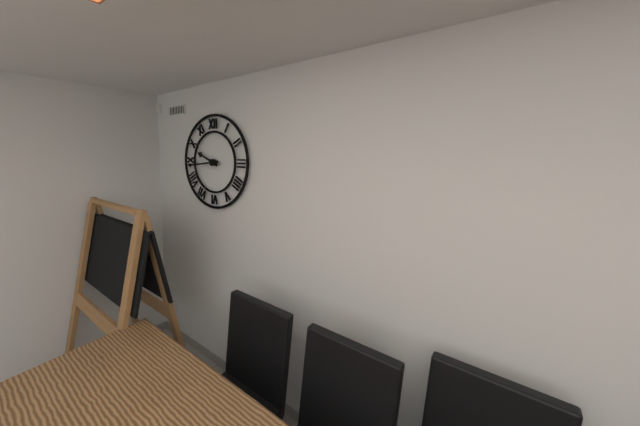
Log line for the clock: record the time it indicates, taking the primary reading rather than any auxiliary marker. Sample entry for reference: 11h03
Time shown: 9h44
